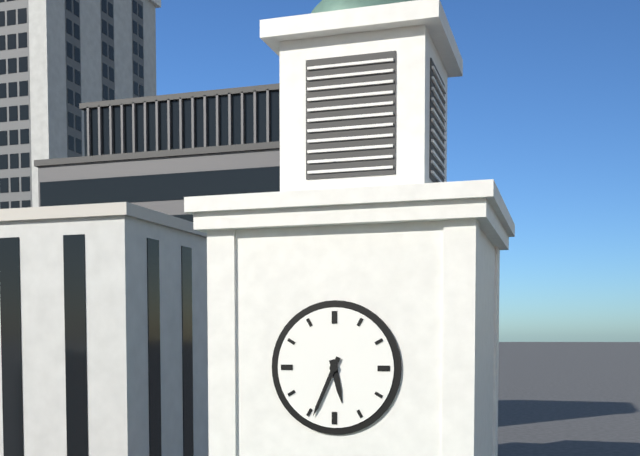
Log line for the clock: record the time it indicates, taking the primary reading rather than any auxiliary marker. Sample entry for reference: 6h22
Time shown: 5h34
